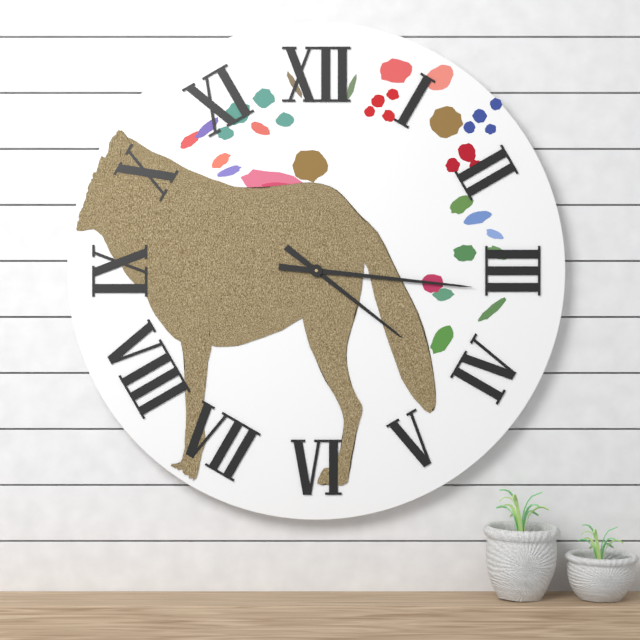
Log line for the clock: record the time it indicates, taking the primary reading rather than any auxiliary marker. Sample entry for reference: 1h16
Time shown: 4h16
